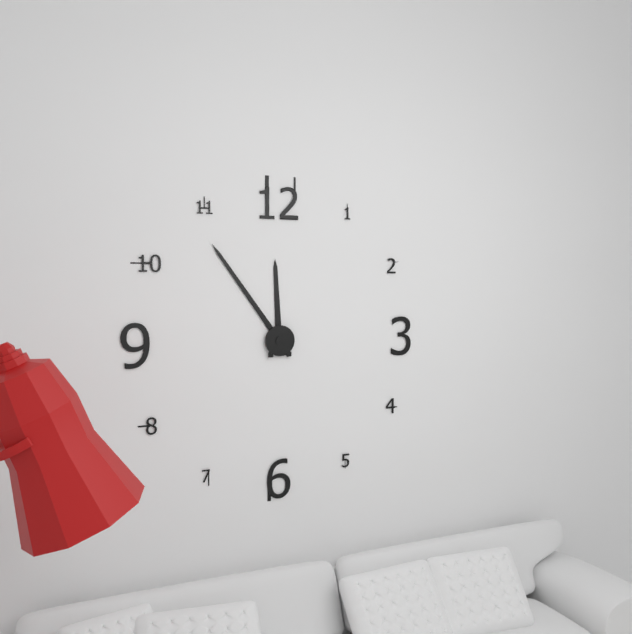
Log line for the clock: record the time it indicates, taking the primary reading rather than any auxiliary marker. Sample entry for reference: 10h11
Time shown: 11h54
